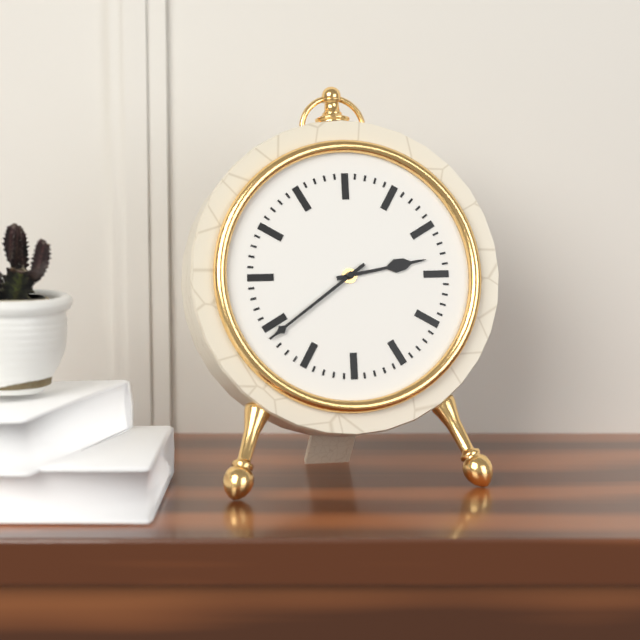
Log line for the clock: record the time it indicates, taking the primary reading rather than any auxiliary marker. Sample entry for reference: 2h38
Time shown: 2h39
